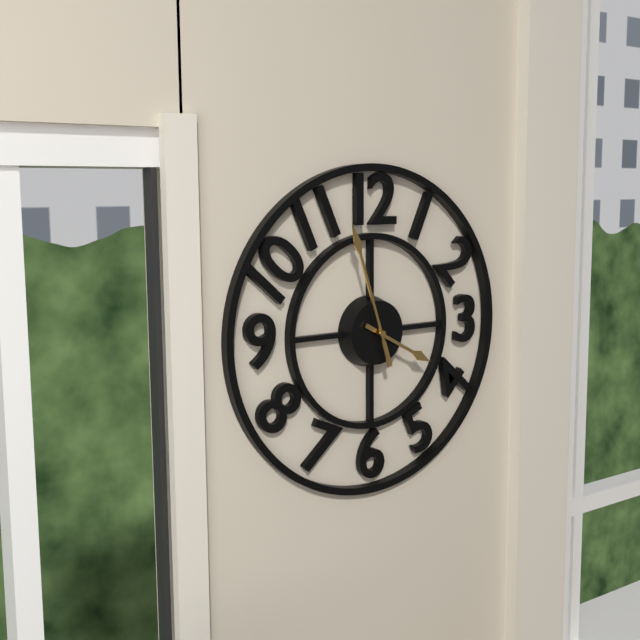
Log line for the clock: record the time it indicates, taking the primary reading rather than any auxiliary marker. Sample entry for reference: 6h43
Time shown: 3h57
